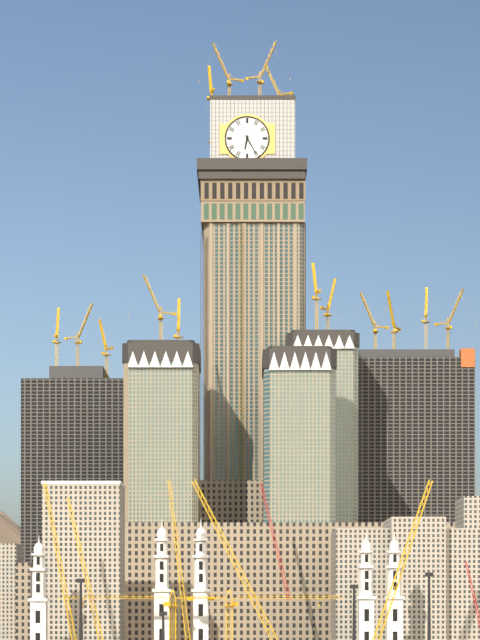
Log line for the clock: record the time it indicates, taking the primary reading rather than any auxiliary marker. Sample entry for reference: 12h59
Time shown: 6h25
